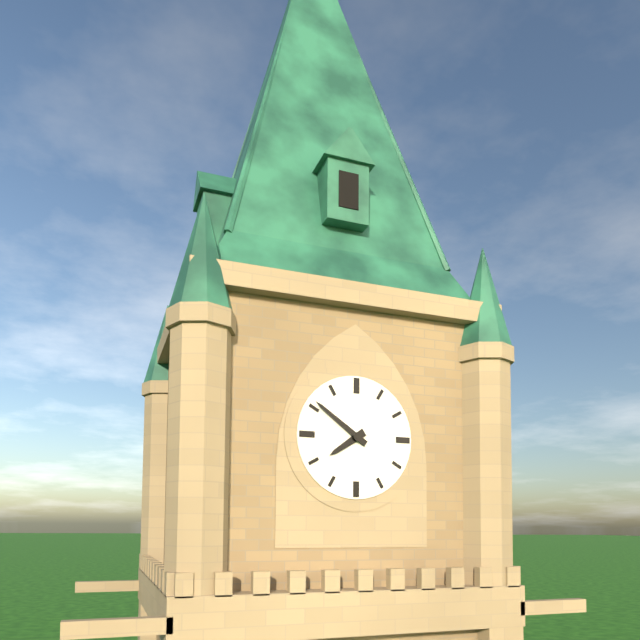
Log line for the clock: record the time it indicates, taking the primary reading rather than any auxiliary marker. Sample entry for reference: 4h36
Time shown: 7h51
